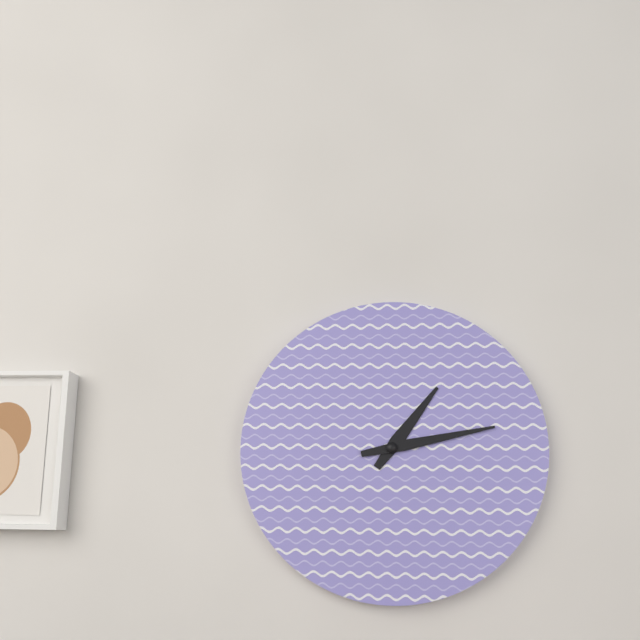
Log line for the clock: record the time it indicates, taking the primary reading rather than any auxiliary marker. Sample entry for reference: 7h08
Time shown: 1h13
